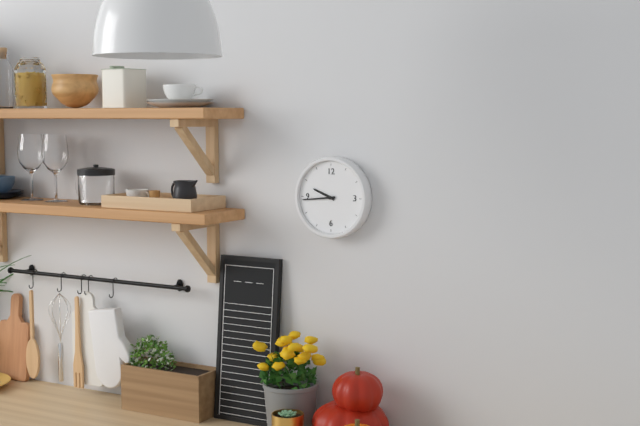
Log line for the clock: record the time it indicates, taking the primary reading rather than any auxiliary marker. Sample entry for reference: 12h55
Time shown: 9h44
